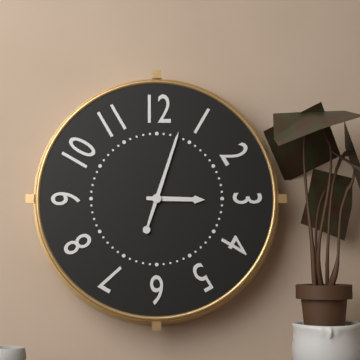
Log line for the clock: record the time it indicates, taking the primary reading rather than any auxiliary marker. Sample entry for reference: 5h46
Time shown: 3h03
